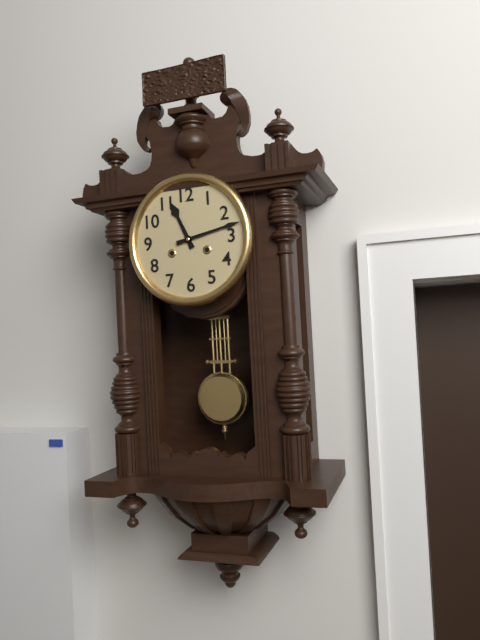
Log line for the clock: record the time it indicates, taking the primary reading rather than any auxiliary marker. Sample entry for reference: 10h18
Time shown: 11h13
